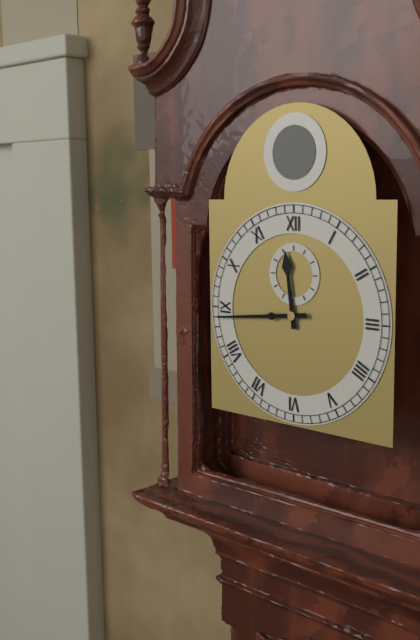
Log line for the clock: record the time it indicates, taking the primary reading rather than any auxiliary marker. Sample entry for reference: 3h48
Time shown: 11h44
